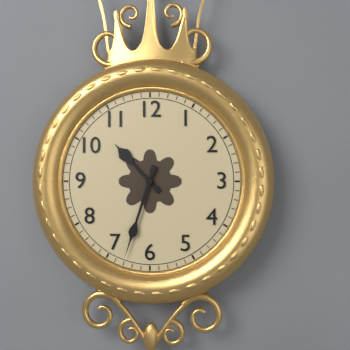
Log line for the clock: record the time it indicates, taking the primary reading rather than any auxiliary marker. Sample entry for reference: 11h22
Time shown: 10h33
